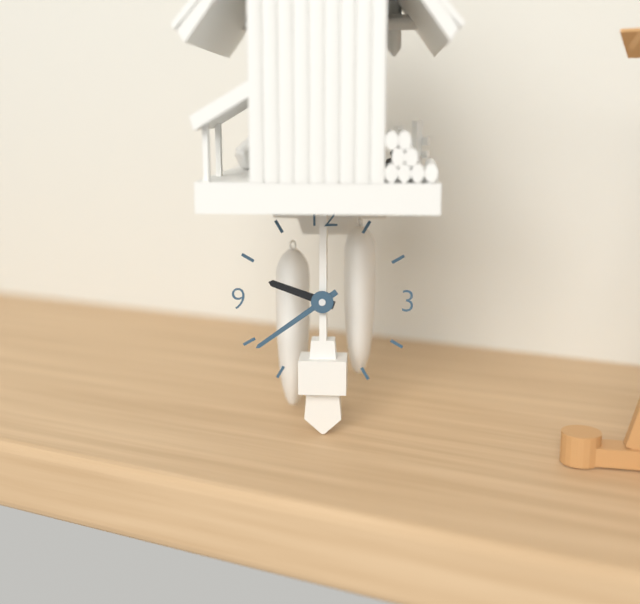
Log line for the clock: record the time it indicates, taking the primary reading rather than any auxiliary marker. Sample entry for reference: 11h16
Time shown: 9h39
